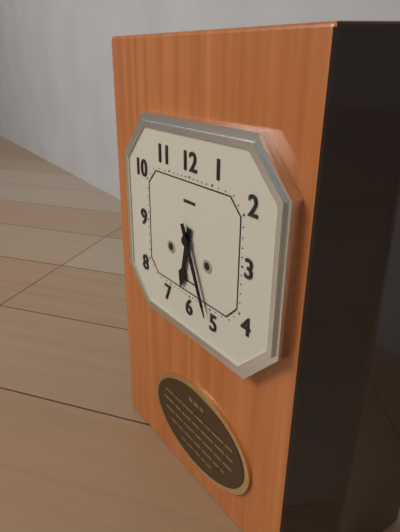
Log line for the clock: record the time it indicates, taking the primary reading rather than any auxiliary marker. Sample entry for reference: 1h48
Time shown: 6h26
